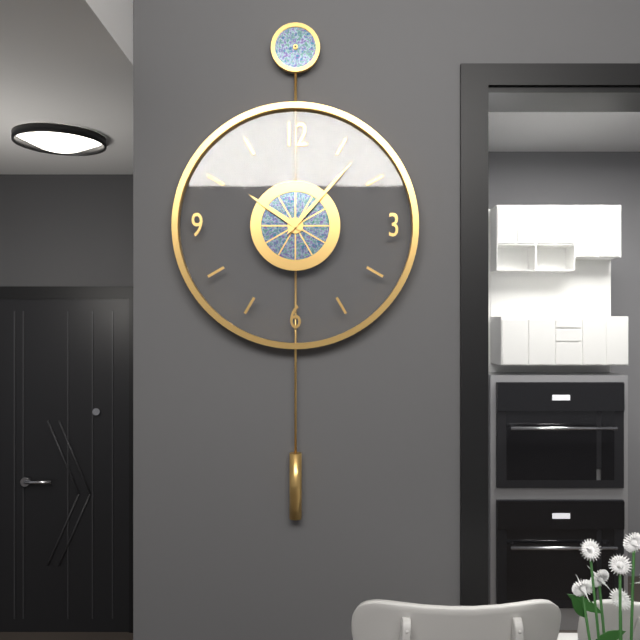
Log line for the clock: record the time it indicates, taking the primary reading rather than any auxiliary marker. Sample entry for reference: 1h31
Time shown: 10h07
